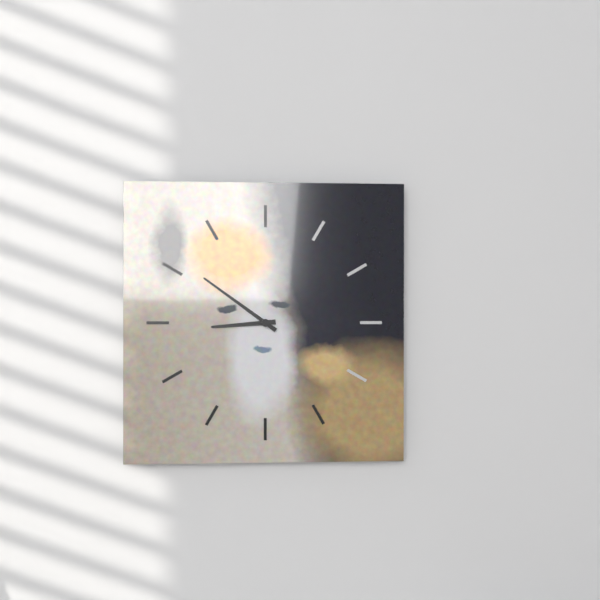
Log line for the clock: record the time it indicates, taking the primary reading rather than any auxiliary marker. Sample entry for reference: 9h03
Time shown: 8h51
